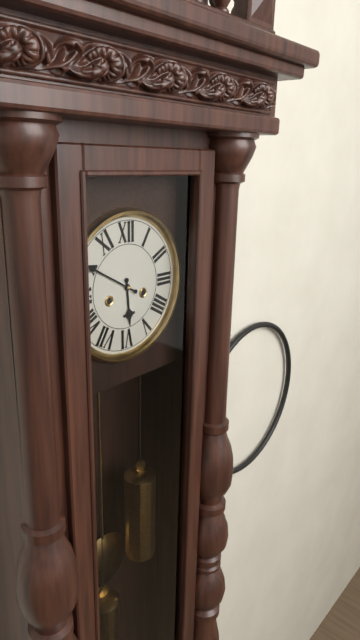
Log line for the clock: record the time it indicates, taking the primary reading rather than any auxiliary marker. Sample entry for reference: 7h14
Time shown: 5h50
